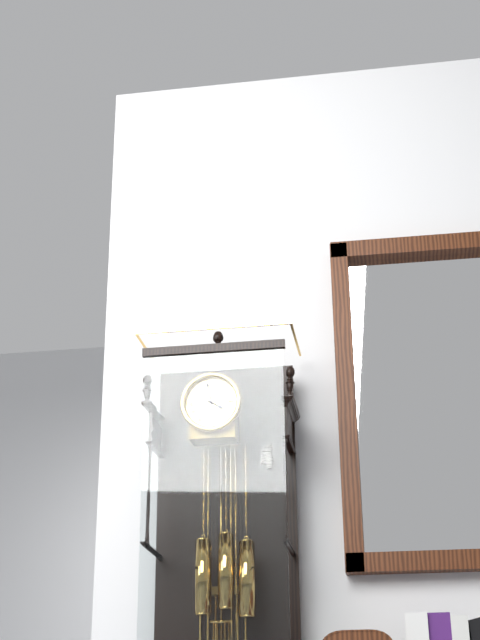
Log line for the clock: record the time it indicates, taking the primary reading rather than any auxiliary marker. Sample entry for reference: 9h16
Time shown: 3h58
